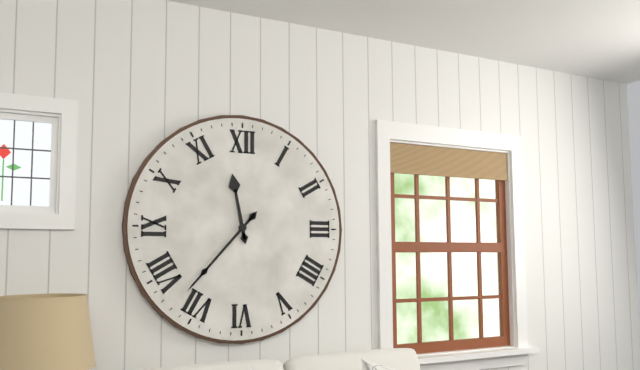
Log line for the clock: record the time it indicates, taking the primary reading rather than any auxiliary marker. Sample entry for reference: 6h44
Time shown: 11h37
